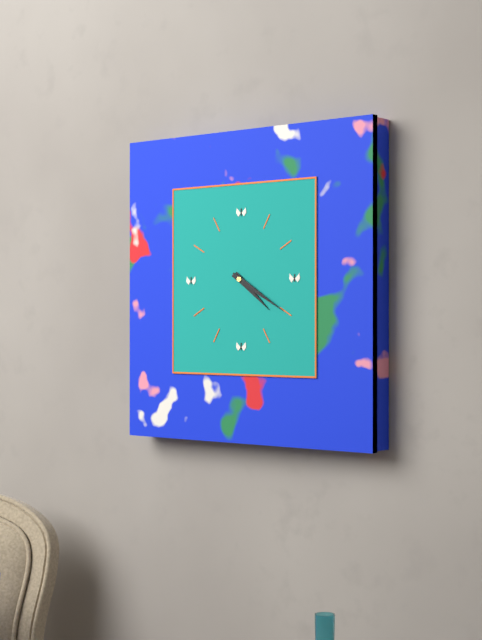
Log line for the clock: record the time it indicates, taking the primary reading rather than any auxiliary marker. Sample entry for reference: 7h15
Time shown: 4h20
